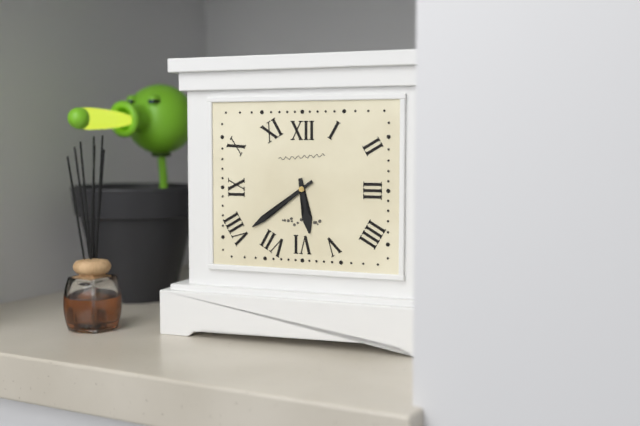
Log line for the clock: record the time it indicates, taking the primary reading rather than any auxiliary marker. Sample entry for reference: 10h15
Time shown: 5h39
